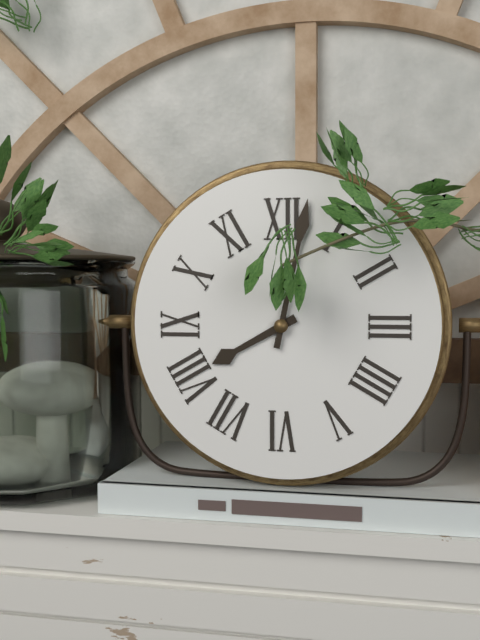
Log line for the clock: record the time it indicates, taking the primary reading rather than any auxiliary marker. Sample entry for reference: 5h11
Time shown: 8h02
